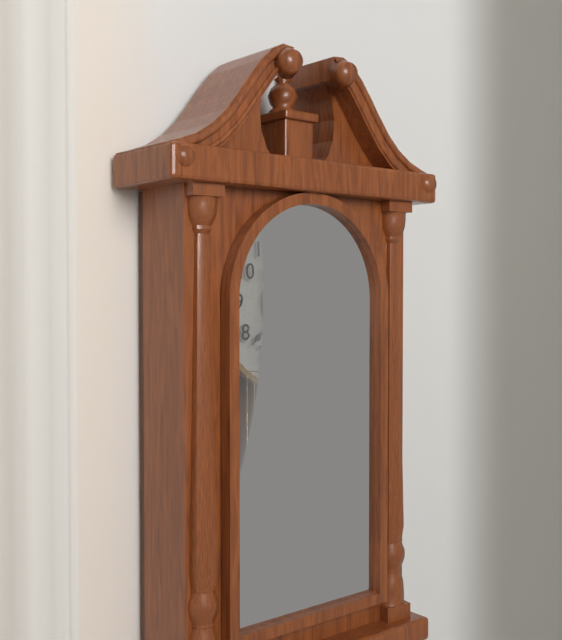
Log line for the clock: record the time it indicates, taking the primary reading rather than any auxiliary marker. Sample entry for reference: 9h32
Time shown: 10h38
